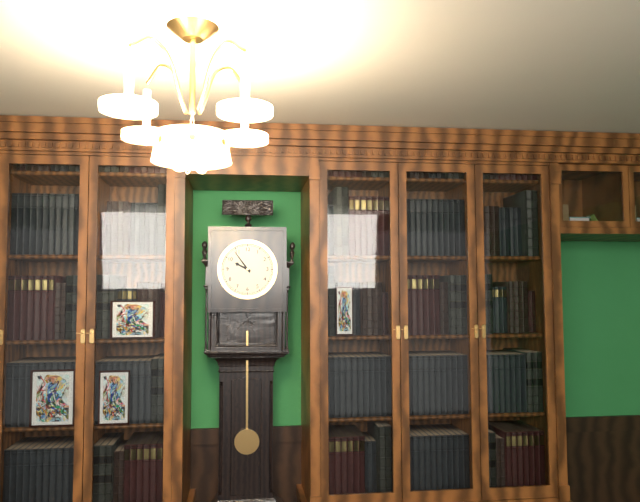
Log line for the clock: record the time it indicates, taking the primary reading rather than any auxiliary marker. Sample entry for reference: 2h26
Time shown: 9h54
